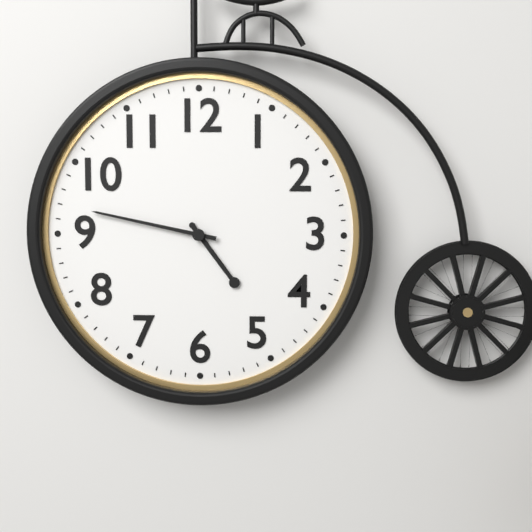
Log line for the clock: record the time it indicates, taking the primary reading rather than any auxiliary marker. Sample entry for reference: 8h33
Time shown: 4h47
